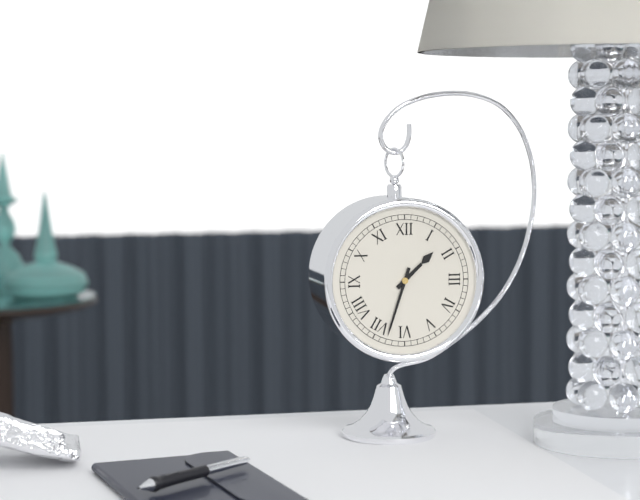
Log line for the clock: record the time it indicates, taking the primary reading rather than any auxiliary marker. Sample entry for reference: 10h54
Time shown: 1h33
